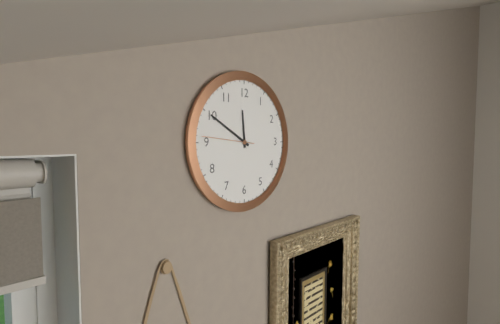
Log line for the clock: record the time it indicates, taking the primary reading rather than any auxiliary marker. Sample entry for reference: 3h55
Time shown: 11h50
